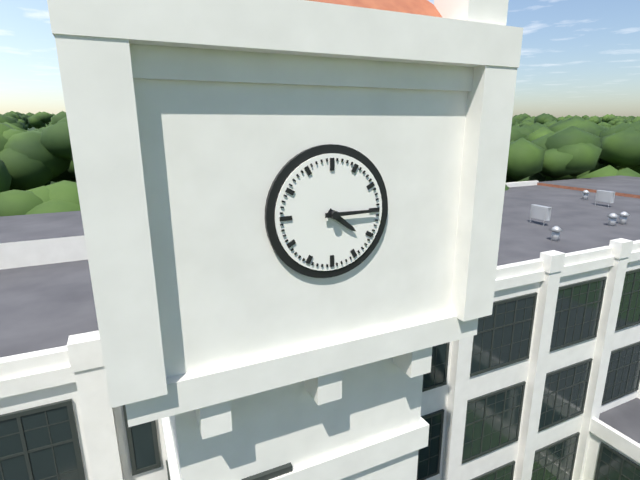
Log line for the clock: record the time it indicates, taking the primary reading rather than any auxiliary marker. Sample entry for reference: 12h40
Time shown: 4h15
